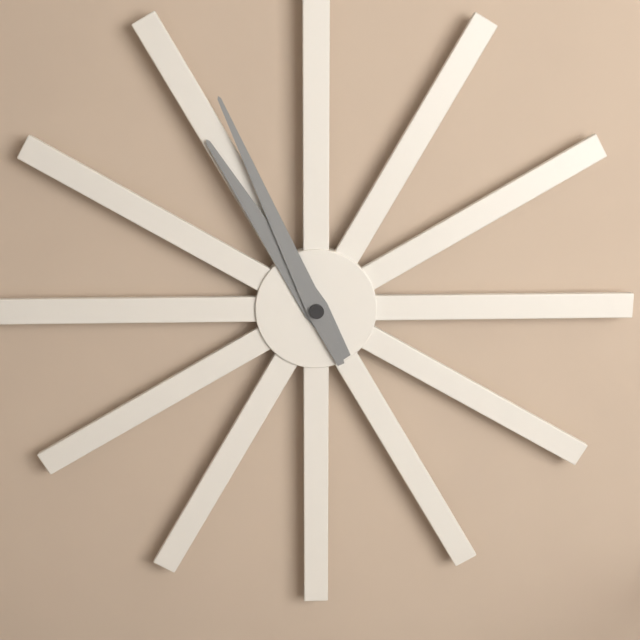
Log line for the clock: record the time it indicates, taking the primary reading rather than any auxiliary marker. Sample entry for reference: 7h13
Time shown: 10h56
